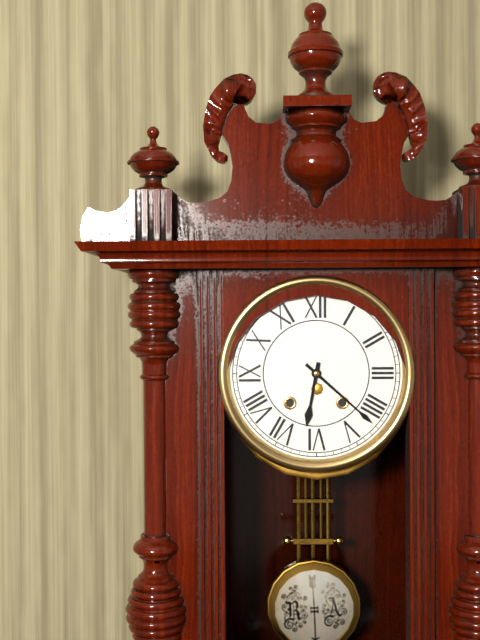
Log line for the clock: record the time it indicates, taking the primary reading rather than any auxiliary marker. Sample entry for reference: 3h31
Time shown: 6h22
